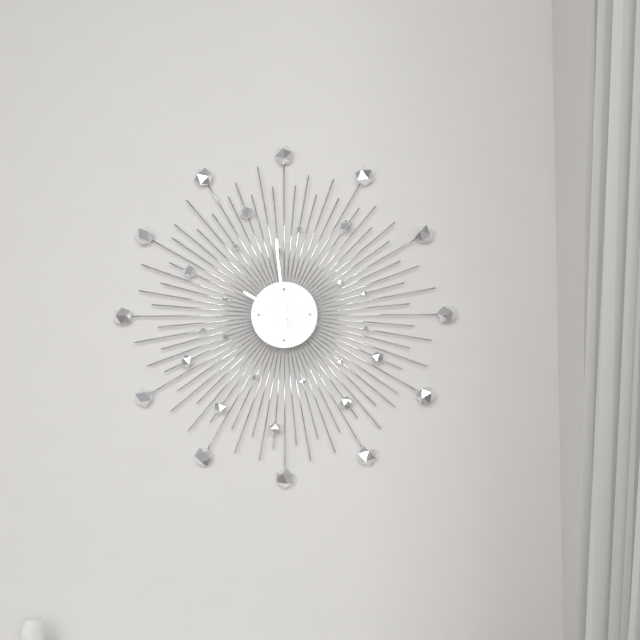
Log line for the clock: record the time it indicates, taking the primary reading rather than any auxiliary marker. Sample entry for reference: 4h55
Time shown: 9h59
